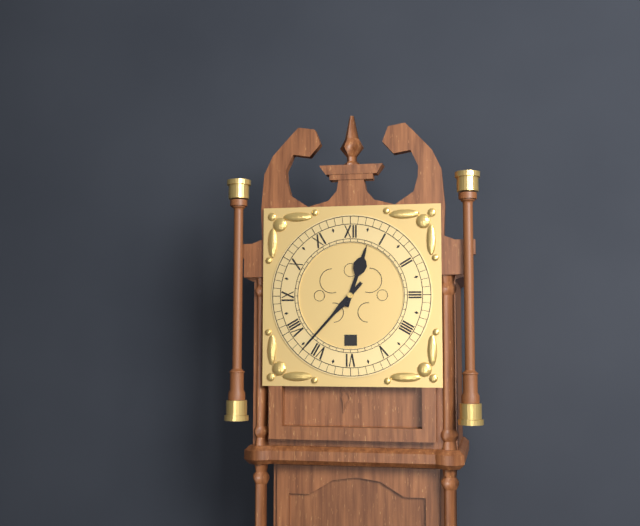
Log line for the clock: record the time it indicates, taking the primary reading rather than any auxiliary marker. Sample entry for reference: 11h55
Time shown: 12h37
